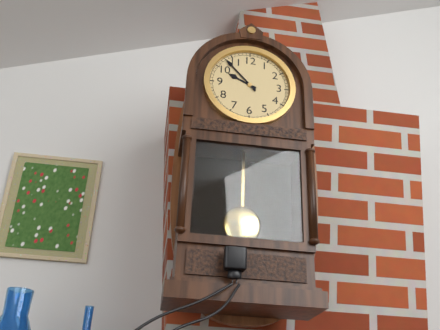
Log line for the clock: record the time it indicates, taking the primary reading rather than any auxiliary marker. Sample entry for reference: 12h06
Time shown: 9h53
